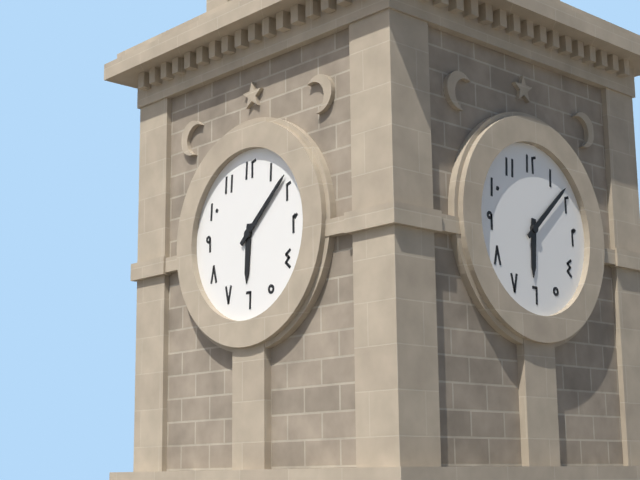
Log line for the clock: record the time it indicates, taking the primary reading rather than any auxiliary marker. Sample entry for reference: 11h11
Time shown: 6h08
